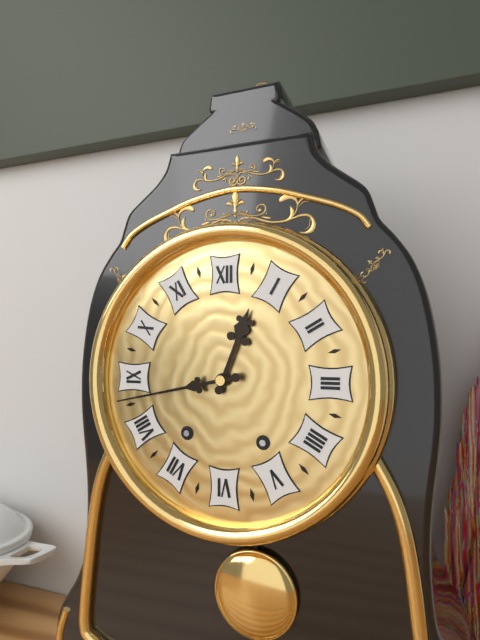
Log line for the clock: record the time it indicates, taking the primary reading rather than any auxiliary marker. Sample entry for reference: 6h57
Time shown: 12h43
